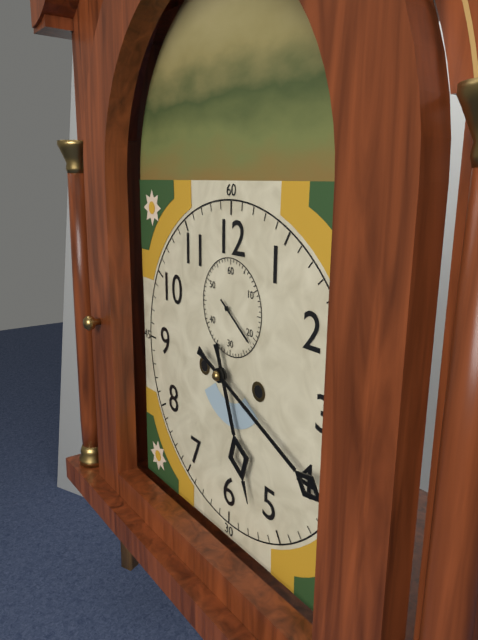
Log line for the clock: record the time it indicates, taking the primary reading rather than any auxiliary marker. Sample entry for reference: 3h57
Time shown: 5h19
